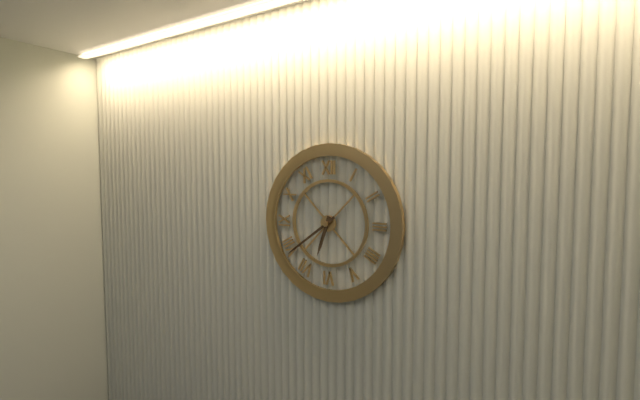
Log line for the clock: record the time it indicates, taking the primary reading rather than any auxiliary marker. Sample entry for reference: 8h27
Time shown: 6h39
